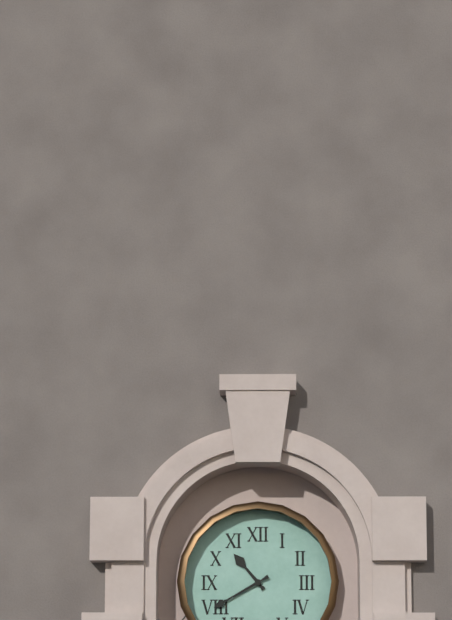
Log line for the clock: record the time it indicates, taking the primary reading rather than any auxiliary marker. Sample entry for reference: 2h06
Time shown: 10h40
